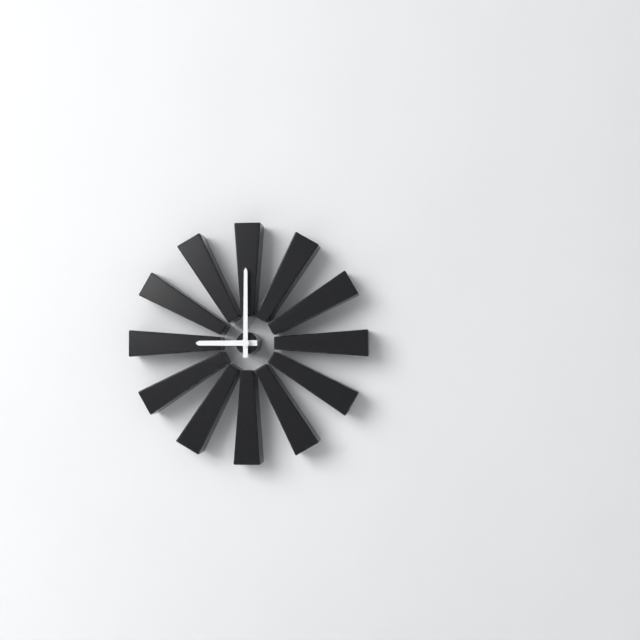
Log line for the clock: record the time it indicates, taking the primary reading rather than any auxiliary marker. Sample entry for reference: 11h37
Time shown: 9h00
